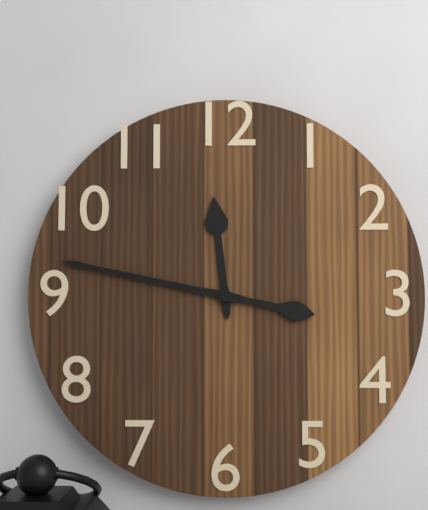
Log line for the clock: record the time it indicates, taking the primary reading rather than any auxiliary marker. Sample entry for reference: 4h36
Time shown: 11h47
